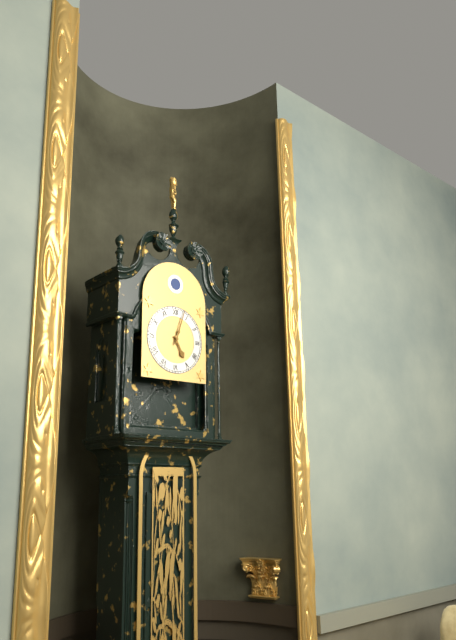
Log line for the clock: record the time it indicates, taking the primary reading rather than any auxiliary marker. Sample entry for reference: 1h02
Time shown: 5h03
